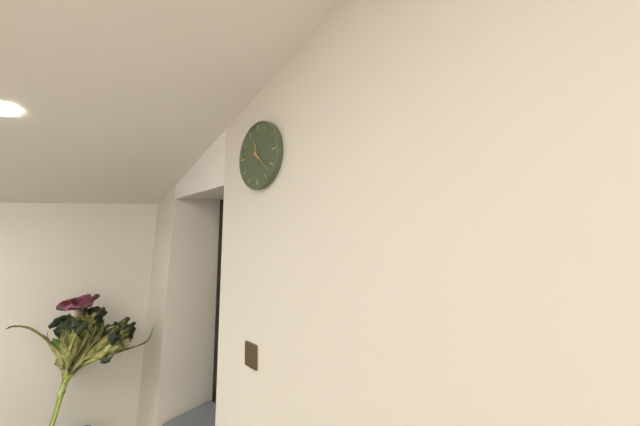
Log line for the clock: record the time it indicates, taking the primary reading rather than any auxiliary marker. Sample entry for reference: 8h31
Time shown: 11h22
